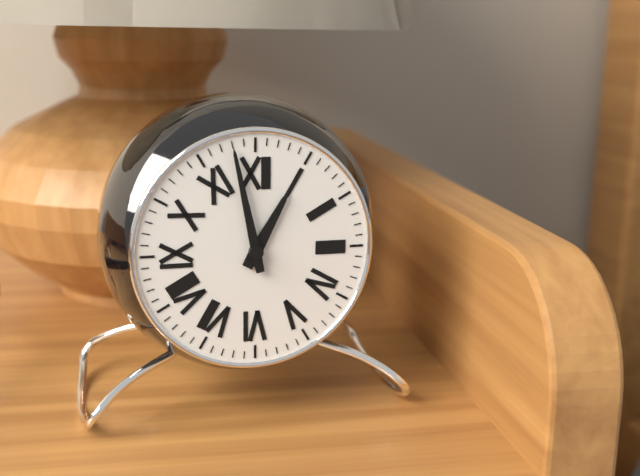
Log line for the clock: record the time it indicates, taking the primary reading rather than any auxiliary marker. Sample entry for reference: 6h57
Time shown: 12h58
